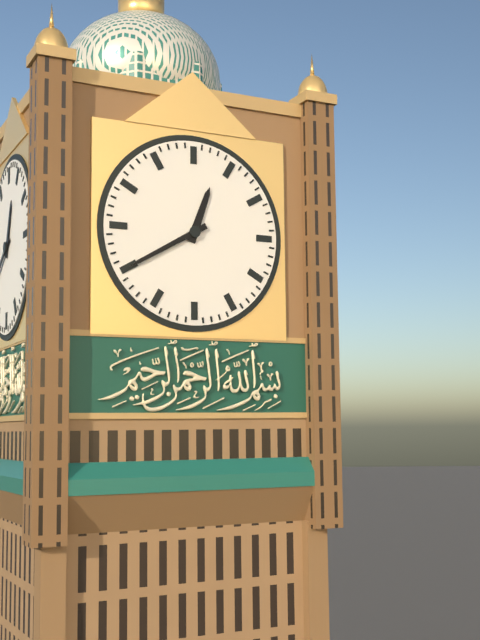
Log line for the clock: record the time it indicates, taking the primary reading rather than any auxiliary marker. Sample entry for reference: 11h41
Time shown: 12h40
